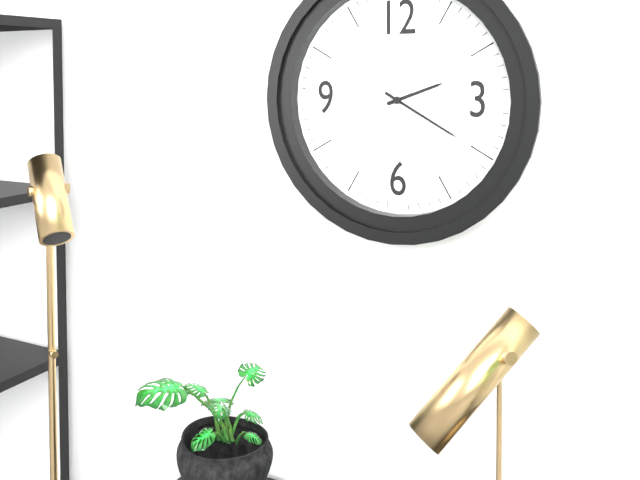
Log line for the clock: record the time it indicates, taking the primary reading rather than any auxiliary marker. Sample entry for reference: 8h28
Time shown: 2h20
